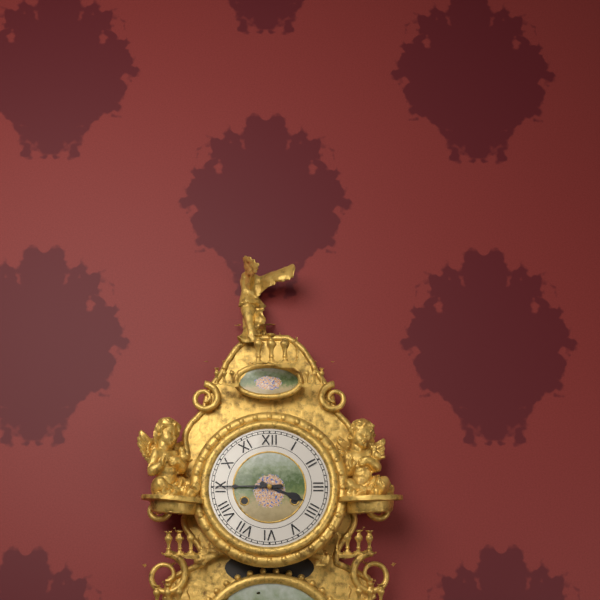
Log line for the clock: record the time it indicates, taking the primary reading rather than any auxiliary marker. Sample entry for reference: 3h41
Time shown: 3h45
